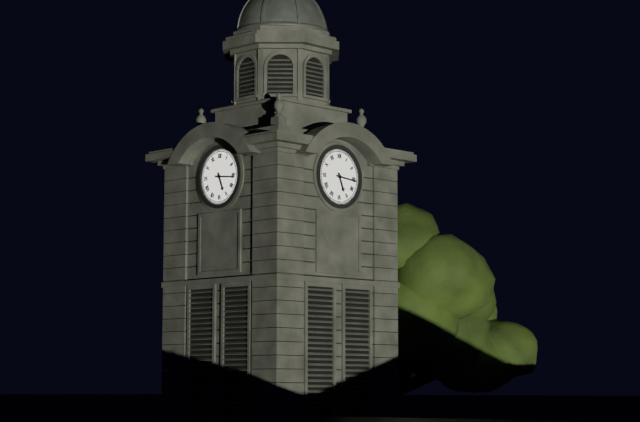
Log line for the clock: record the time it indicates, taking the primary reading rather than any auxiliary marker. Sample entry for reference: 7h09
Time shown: 5h16
